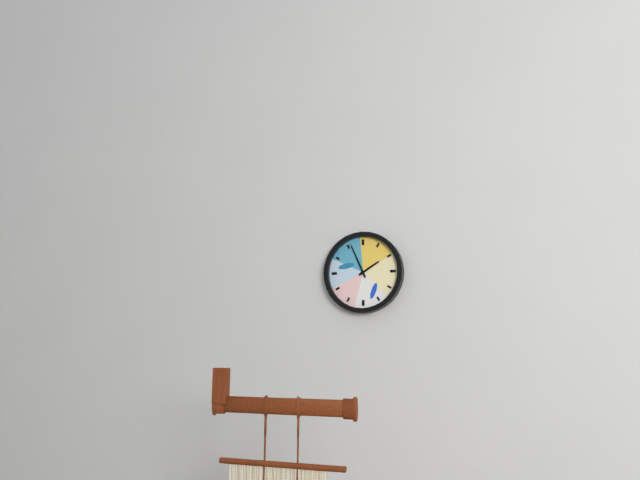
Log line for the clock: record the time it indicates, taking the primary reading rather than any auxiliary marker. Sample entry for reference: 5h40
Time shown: 1h56
